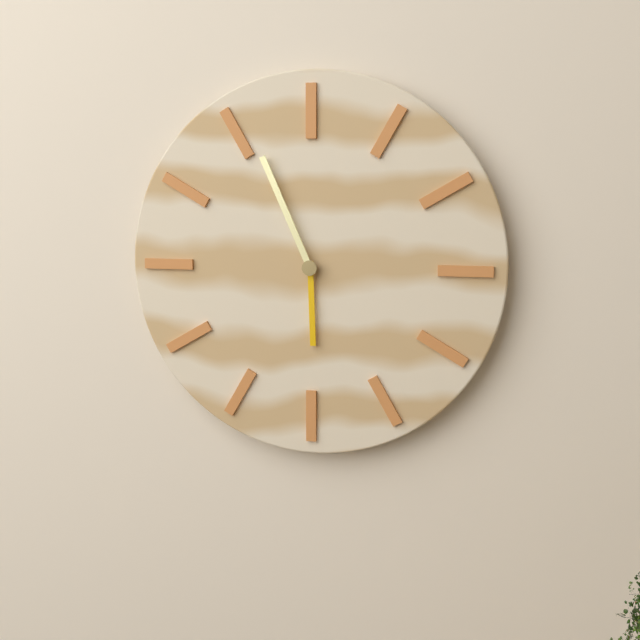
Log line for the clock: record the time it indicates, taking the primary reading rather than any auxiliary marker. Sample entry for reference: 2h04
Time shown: 5h56
